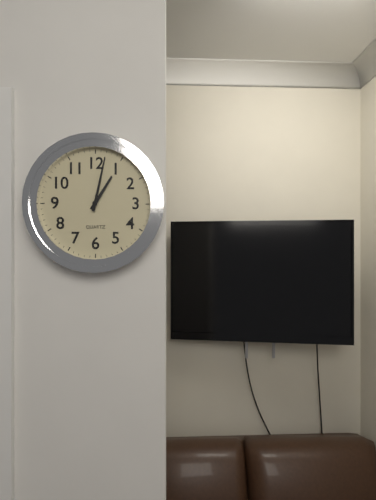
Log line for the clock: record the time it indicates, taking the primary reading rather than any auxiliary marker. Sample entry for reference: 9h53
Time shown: 1h02
